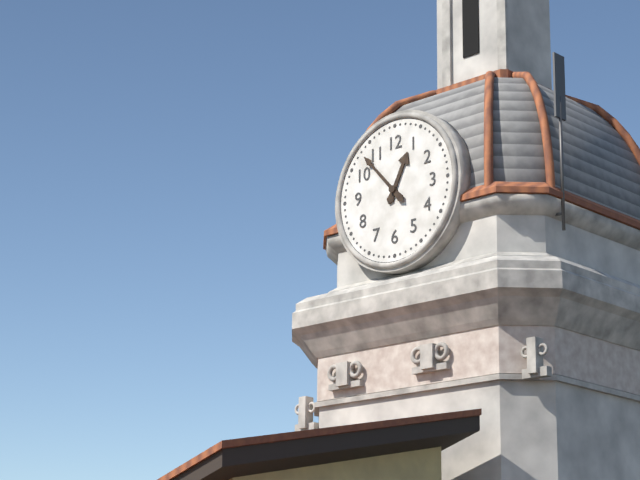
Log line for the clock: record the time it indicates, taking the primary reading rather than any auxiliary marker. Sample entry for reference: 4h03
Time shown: 12h53
